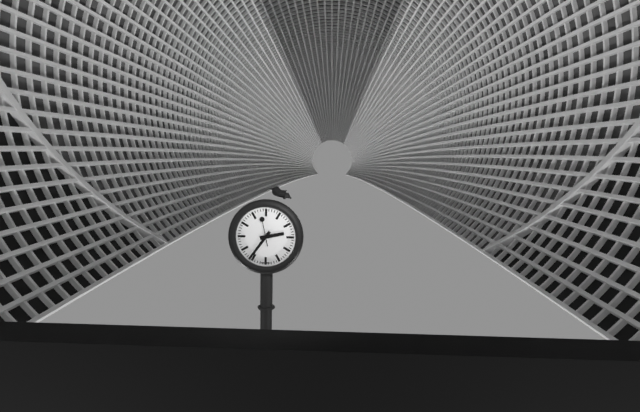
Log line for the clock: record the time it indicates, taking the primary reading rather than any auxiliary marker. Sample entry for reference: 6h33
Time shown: 2h36
